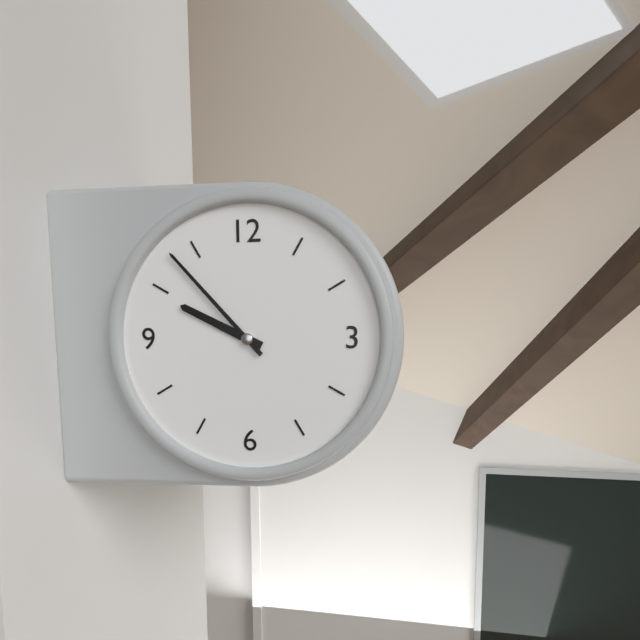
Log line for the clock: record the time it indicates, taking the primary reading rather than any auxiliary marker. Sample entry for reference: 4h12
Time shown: 9h53
